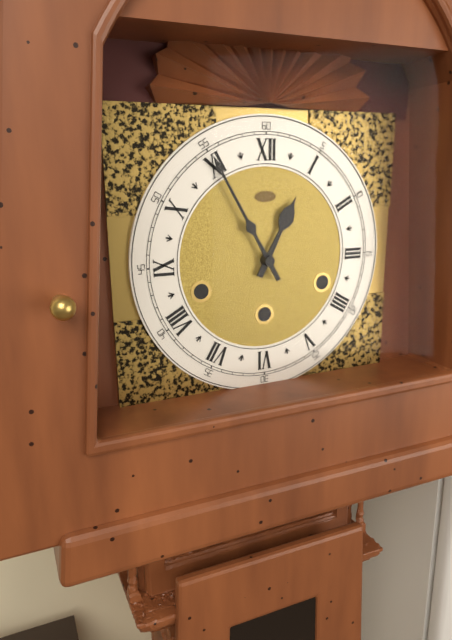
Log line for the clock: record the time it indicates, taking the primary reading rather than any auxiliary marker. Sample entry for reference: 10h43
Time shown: 12h55
